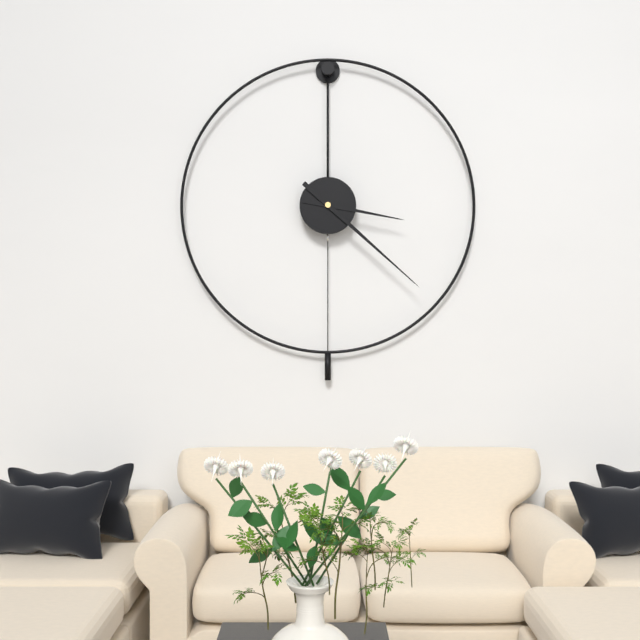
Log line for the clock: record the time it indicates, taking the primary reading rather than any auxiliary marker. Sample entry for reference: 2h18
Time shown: 3h22
